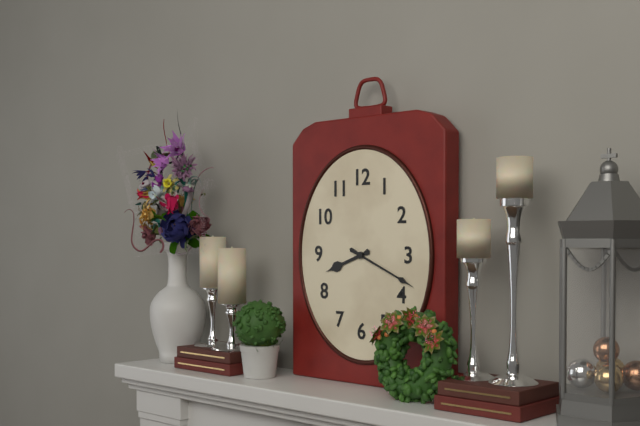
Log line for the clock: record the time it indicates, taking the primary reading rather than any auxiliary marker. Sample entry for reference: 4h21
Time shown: 8h19
